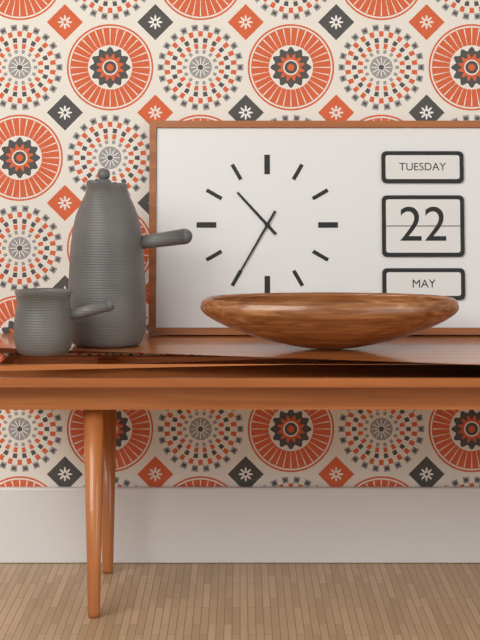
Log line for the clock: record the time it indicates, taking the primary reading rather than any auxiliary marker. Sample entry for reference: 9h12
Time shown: 10h35
